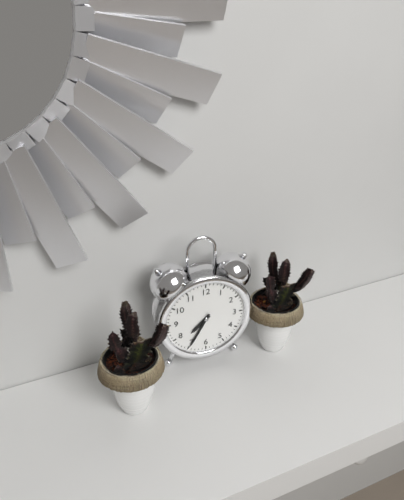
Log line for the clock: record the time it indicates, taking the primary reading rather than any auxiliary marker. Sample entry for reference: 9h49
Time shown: 7h35
